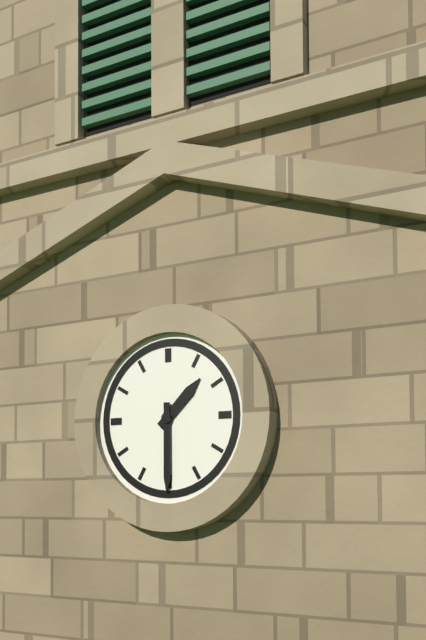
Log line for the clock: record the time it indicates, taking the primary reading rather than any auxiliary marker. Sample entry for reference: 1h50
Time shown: 1h30
